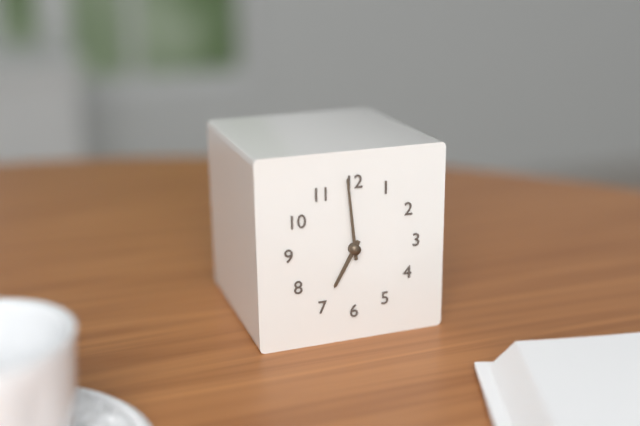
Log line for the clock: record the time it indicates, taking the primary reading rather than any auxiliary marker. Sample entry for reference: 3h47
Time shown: 6h59
